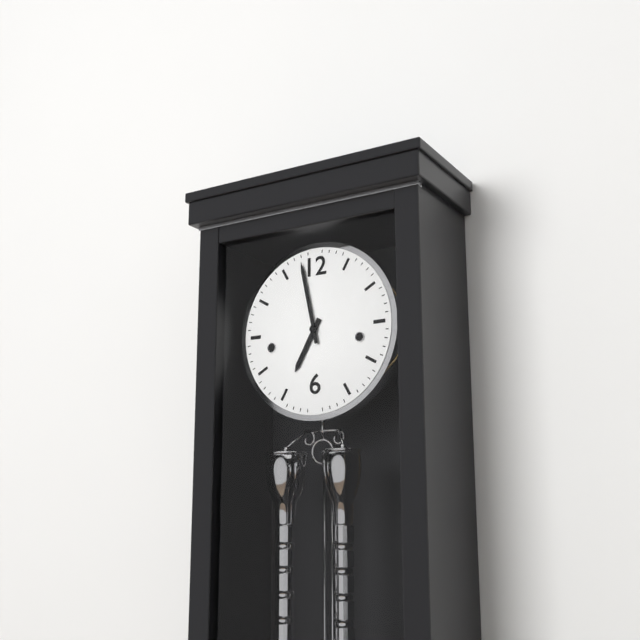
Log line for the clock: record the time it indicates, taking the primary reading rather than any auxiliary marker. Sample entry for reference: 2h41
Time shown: 6h58
